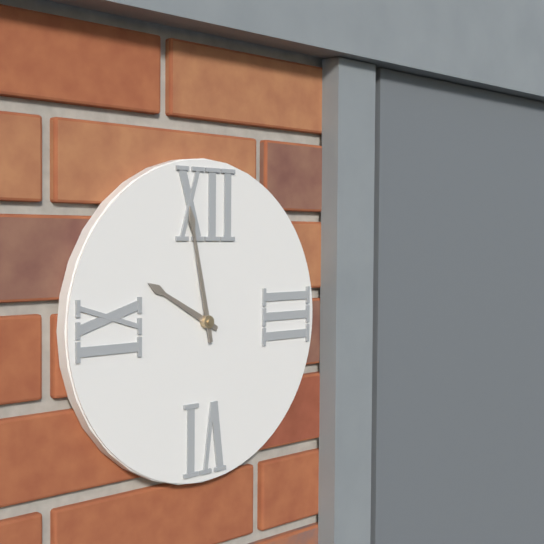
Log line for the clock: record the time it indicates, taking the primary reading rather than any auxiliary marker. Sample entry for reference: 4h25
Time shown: 9h58
